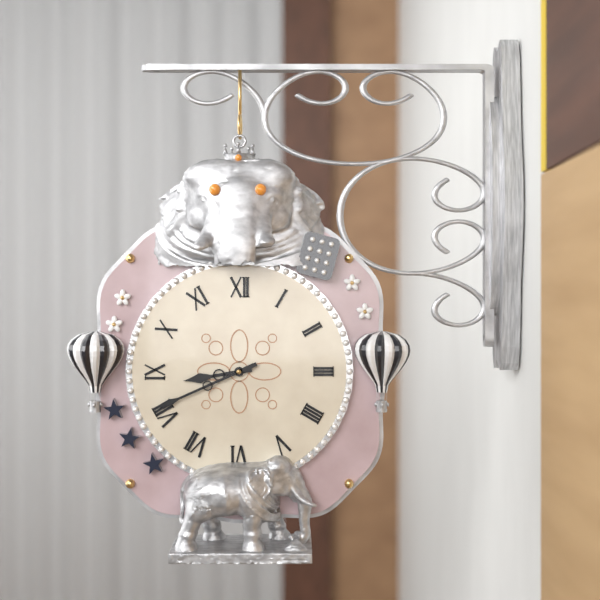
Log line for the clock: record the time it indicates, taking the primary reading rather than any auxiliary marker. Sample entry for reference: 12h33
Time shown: 8h41
